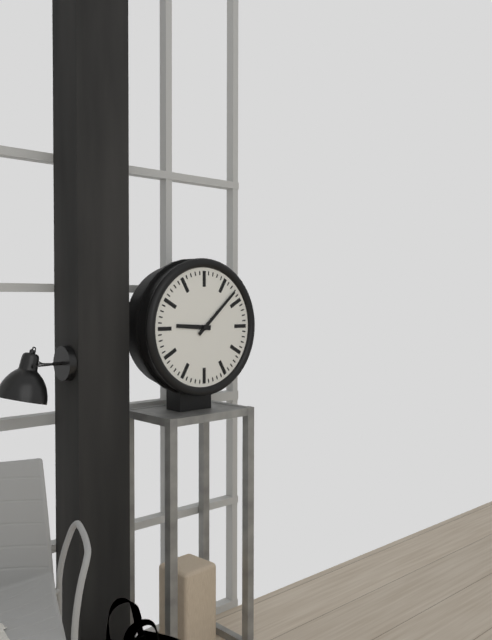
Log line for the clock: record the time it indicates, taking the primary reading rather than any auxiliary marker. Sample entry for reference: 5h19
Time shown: 9h08
